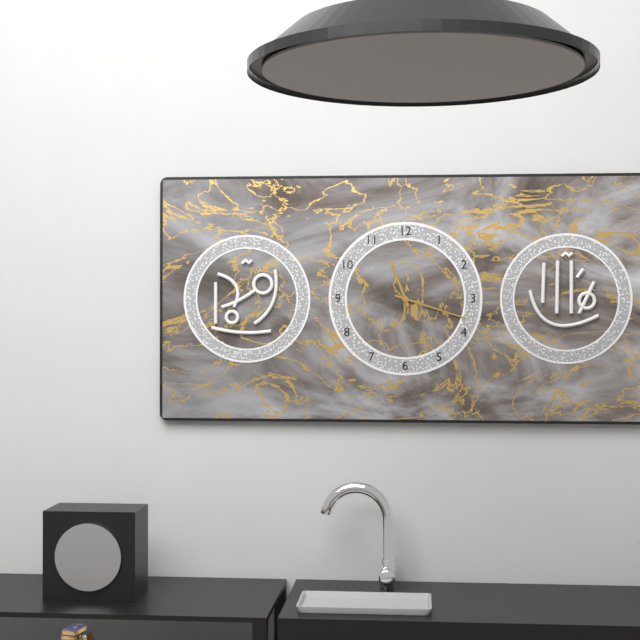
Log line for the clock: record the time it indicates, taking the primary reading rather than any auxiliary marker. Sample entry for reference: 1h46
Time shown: 11h18
